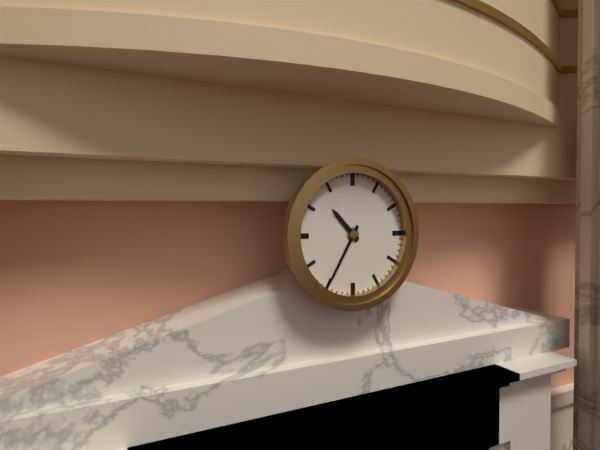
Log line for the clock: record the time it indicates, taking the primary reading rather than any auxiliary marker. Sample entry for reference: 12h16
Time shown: 10h35
